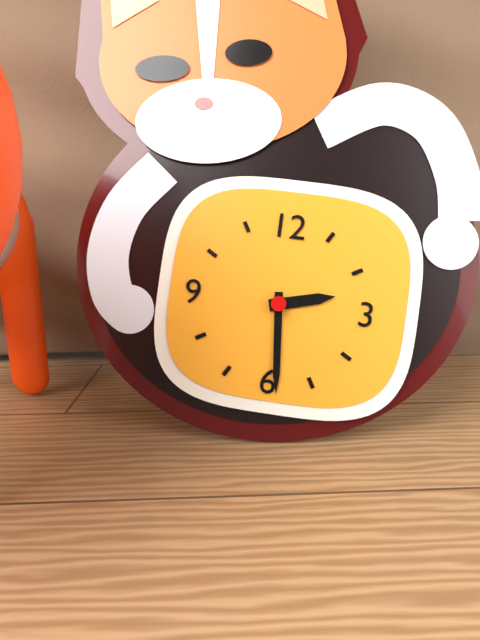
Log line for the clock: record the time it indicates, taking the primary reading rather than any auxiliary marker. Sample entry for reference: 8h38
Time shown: 2h29
